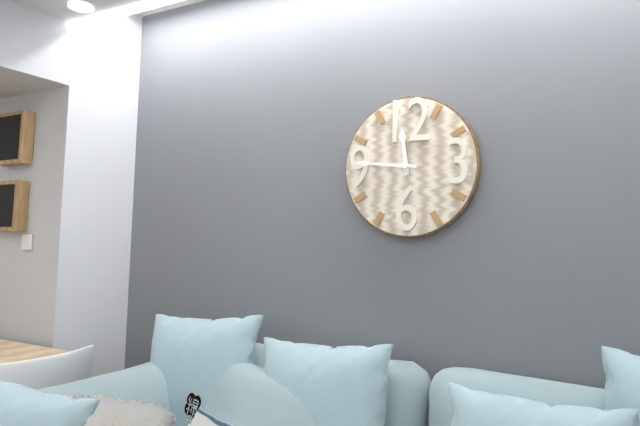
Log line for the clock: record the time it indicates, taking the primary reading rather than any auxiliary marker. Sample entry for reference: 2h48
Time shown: 11h46
